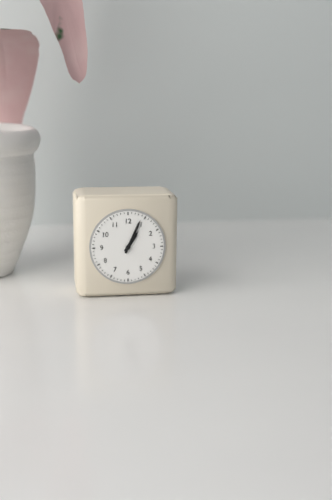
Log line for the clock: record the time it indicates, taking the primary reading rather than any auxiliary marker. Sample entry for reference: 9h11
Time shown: 1h04
